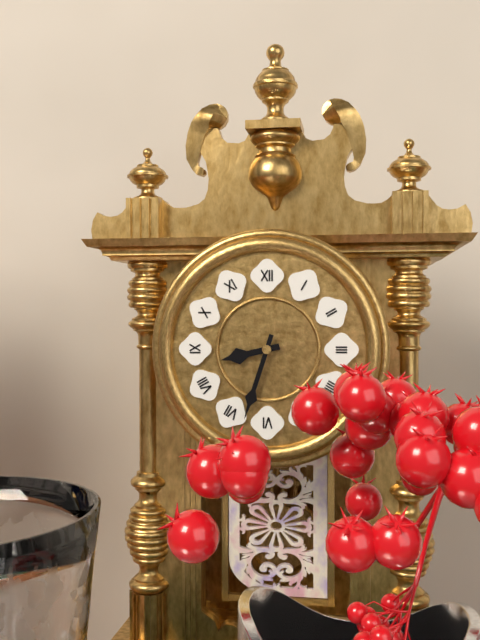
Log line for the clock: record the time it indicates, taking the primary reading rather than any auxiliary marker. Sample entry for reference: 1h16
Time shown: 8h33
